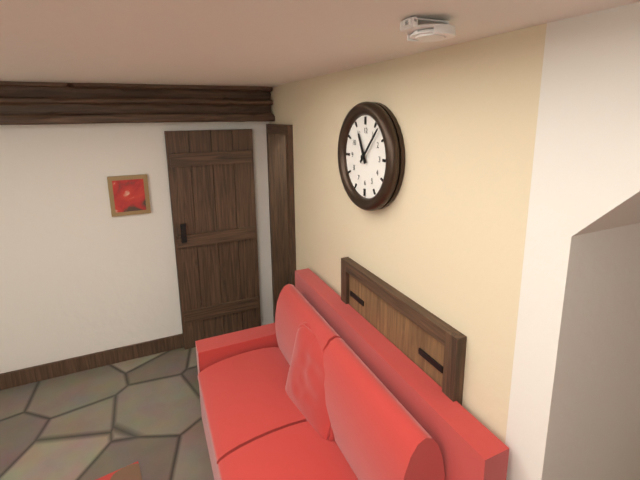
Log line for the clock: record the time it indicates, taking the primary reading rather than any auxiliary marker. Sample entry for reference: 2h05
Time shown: 11h07
